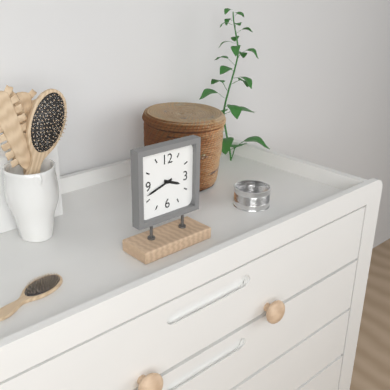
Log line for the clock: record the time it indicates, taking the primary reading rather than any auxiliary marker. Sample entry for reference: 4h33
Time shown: 3h42
